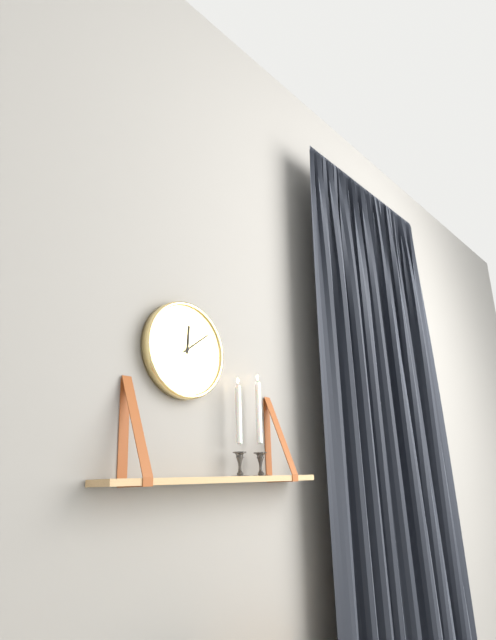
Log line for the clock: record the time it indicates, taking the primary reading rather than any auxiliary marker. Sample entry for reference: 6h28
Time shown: 12h09
